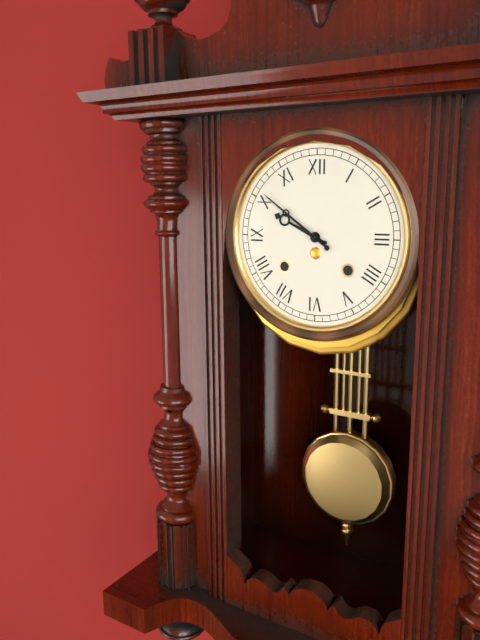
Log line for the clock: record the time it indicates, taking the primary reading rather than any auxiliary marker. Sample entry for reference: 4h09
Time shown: 9h51
